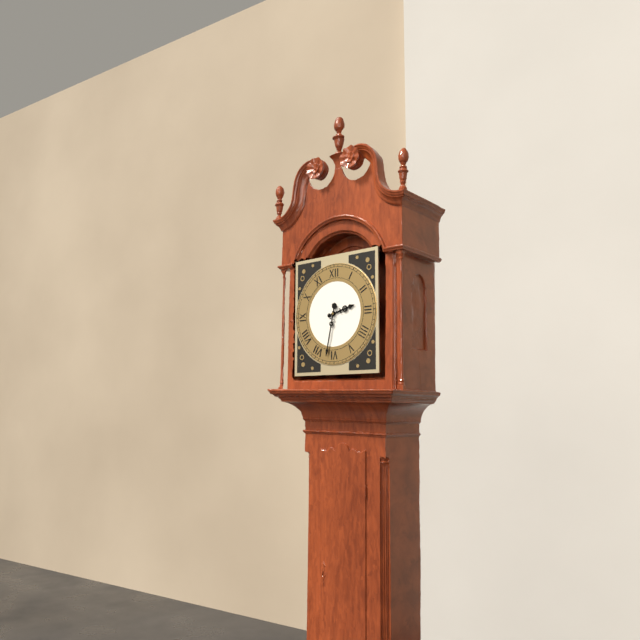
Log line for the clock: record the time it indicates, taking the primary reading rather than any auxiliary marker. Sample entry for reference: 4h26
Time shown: 2h32
